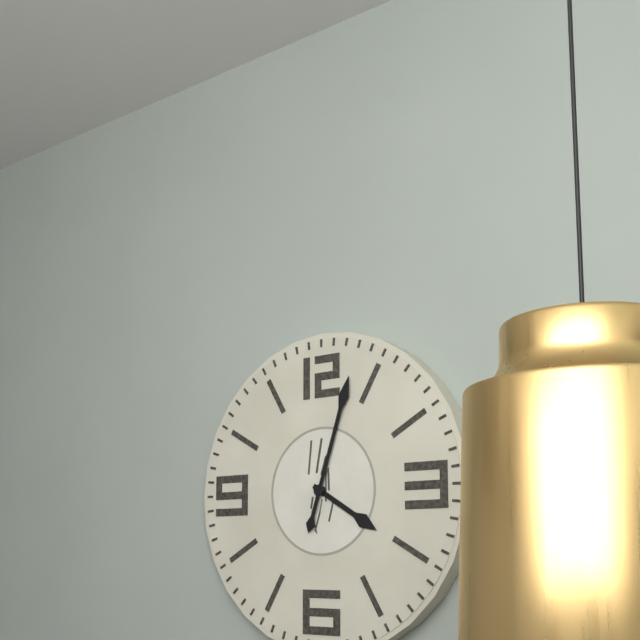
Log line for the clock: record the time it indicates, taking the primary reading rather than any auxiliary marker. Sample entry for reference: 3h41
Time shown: 4h03
